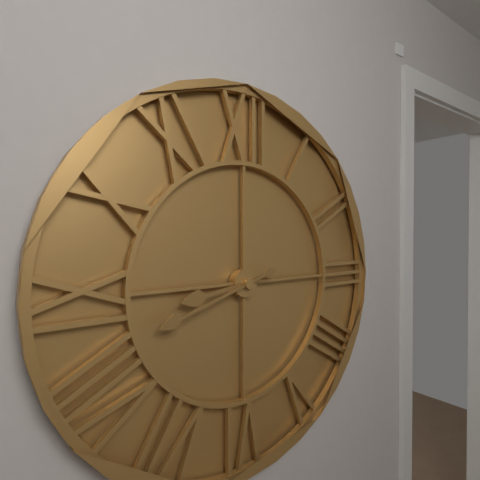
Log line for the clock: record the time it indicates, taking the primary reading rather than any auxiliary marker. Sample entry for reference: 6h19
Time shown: 8h42
